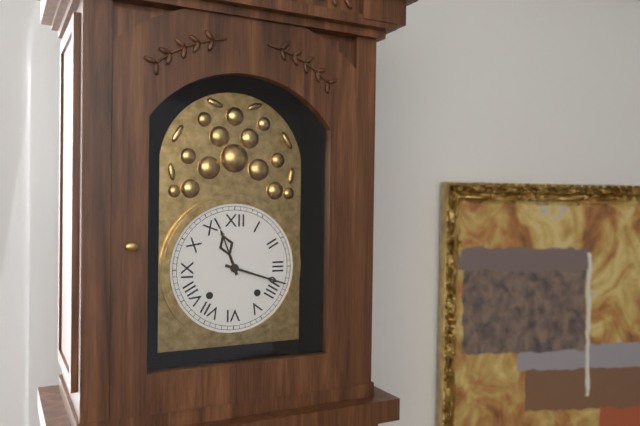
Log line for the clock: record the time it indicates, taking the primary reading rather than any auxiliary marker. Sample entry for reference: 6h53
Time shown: 11h18
